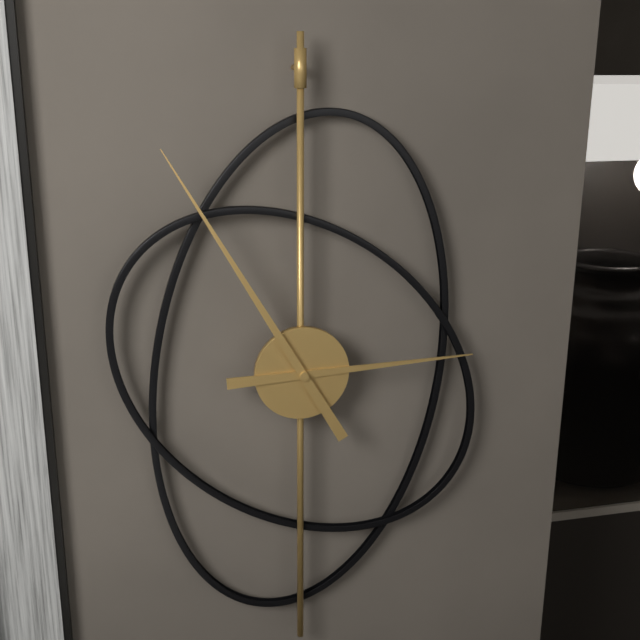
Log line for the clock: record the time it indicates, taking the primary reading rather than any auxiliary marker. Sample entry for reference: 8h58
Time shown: 2h55
